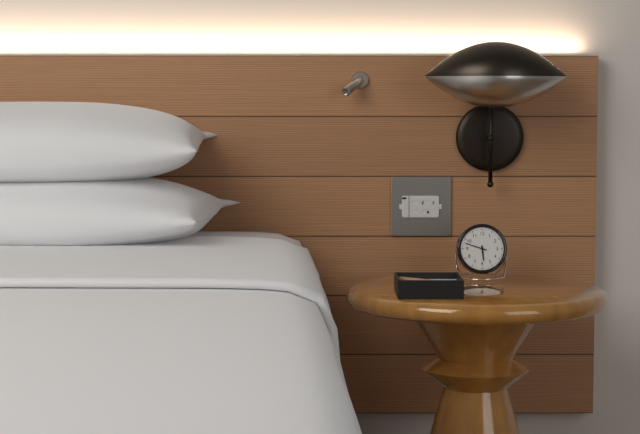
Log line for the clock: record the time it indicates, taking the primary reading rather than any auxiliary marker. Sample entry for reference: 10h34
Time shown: 5h48
